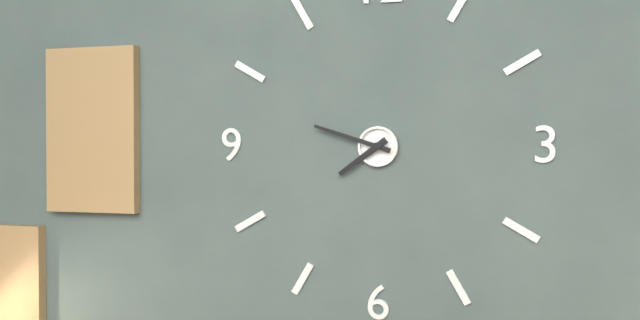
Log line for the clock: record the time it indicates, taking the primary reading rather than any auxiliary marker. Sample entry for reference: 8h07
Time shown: 7h48
